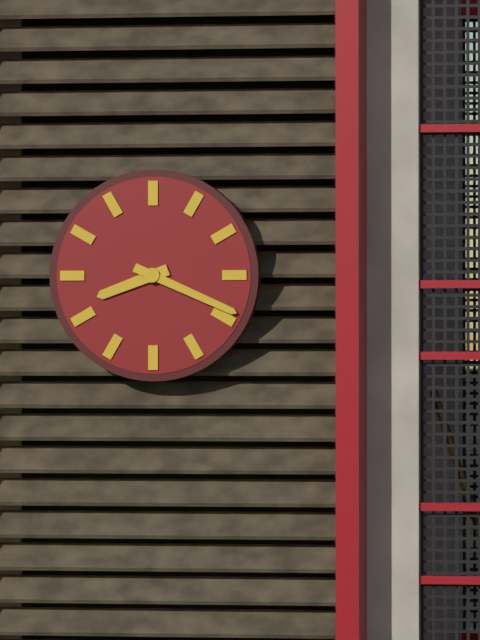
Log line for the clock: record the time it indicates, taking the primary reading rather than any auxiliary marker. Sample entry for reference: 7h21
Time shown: 8h19
